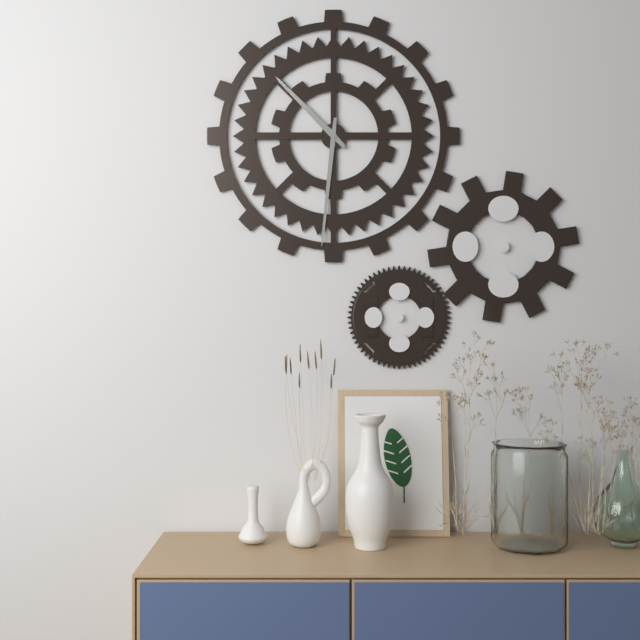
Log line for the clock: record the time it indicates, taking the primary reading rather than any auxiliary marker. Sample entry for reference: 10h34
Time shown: 10h31
